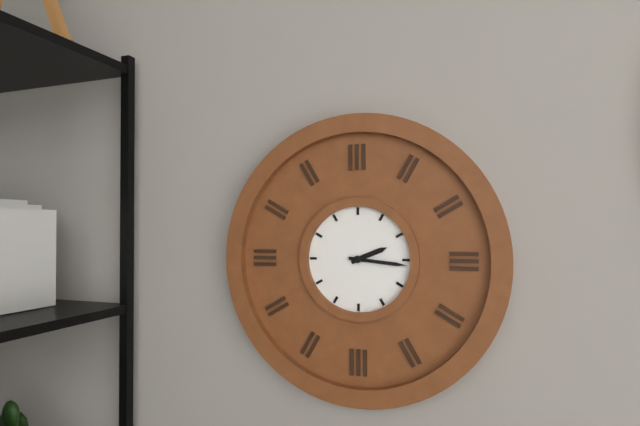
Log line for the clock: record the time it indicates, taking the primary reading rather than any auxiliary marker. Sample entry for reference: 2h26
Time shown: 2h16
